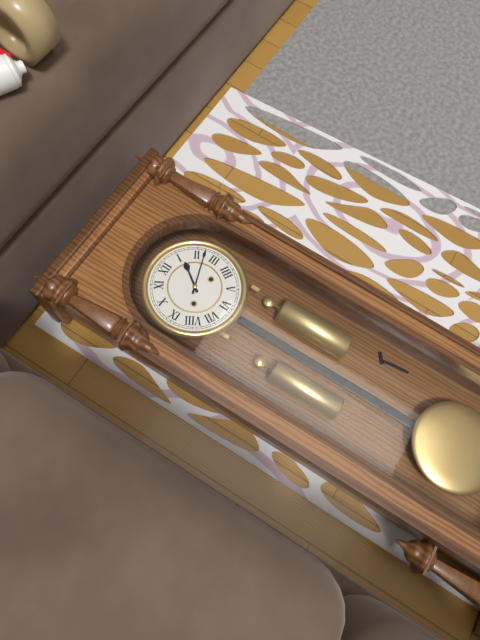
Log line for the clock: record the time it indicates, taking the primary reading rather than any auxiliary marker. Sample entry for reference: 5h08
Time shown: 1h12
